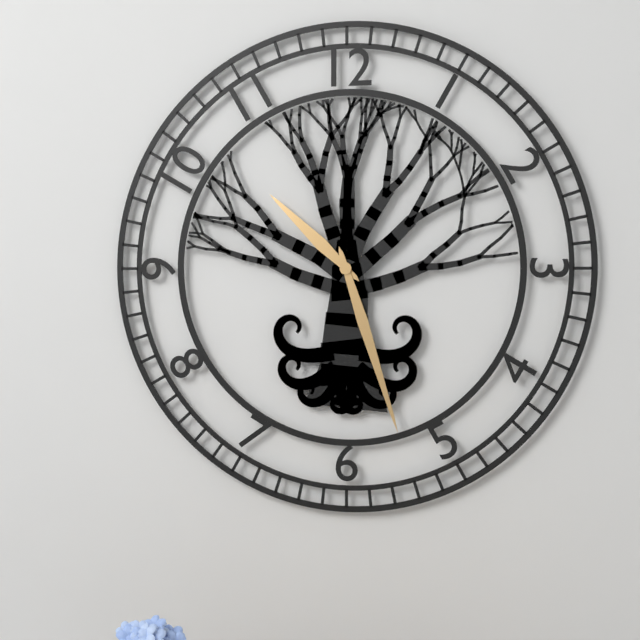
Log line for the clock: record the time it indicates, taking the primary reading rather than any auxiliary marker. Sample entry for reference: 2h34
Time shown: 10h27
